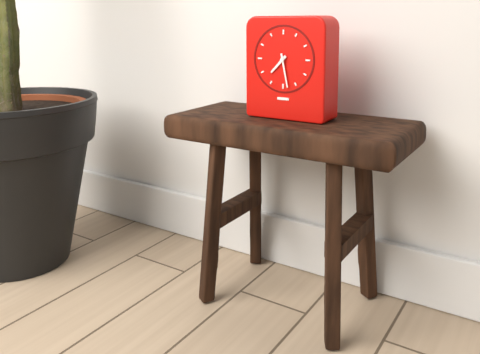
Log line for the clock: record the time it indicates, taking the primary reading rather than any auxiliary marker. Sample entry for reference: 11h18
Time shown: 7h28
